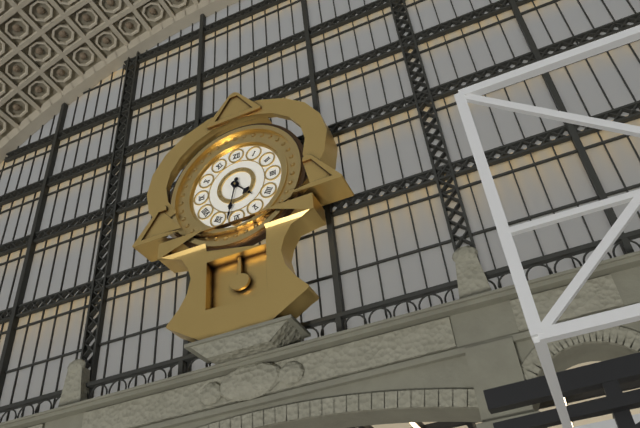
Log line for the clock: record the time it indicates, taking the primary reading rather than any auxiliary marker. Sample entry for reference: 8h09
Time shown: 4h32
